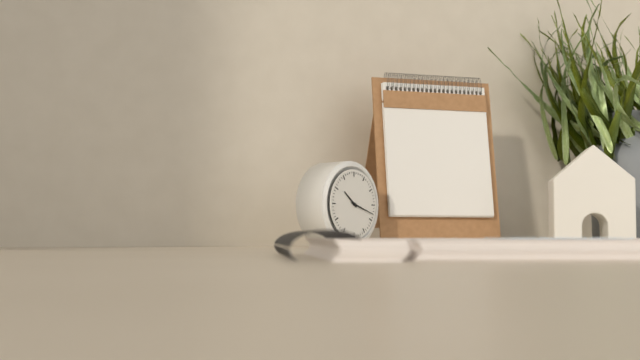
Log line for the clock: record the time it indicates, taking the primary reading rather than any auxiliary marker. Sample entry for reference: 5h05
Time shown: 10h18
